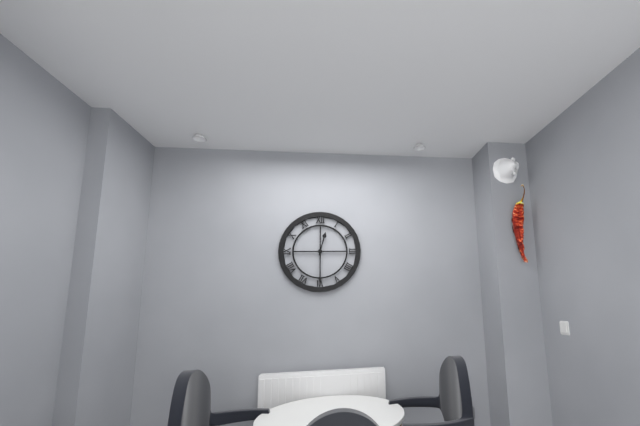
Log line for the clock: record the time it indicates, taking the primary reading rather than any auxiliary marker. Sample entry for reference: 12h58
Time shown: 12h30
